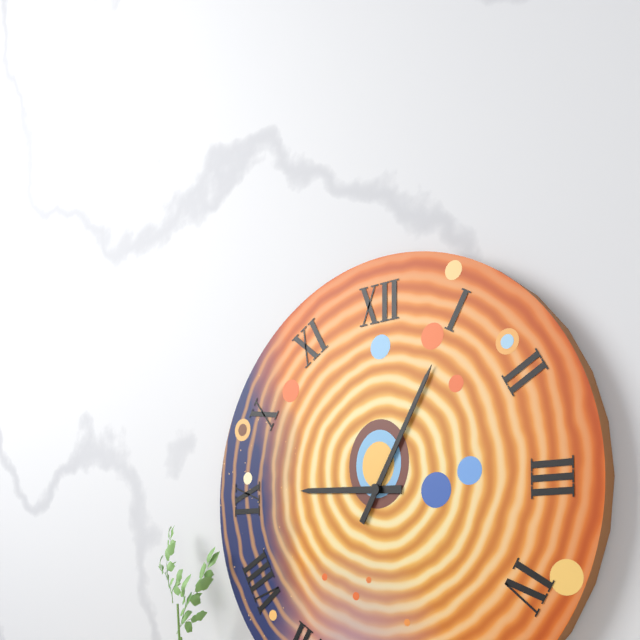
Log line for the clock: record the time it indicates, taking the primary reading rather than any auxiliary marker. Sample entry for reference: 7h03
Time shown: 9h05
